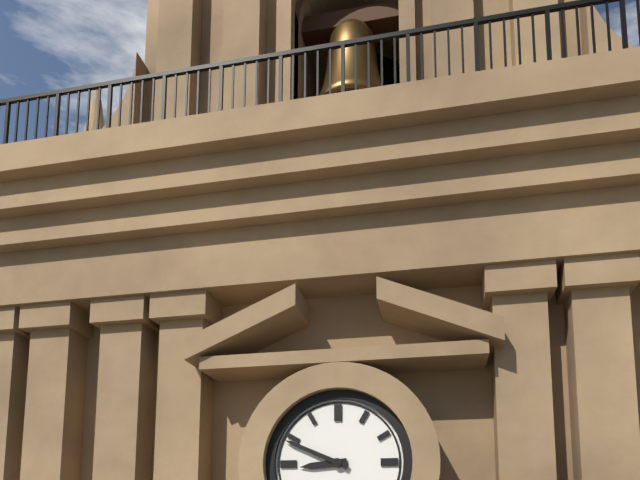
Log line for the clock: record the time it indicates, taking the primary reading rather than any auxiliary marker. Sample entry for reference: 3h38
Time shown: 8h49
